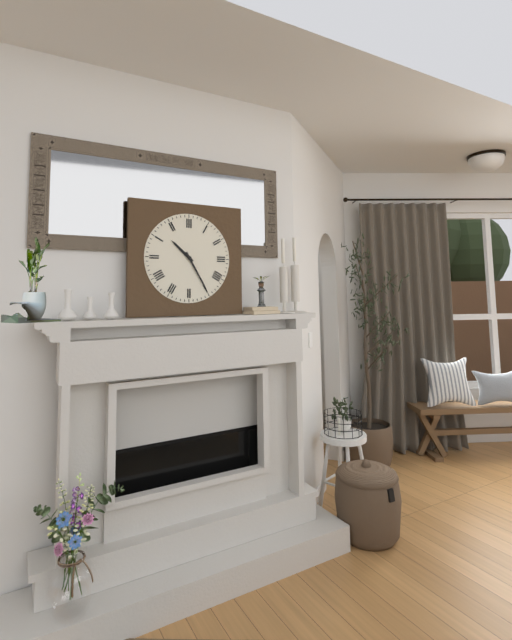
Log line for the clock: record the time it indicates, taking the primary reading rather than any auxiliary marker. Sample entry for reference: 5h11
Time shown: 10h25
